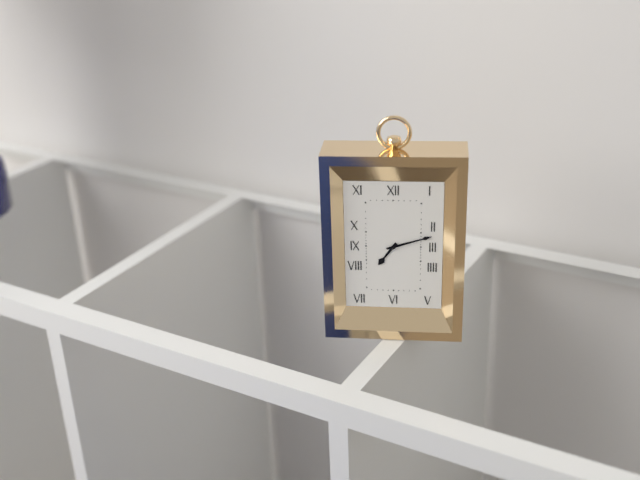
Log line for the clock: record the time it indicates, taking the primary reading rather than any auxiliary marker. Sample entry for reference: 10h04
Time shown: 7h12
